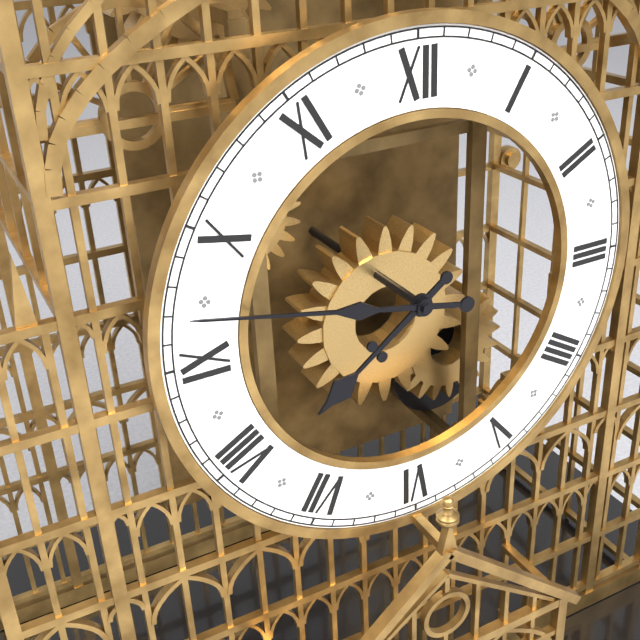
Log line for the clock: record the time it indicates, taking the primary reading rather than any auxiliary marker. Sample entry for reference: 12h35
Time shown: 7h47
